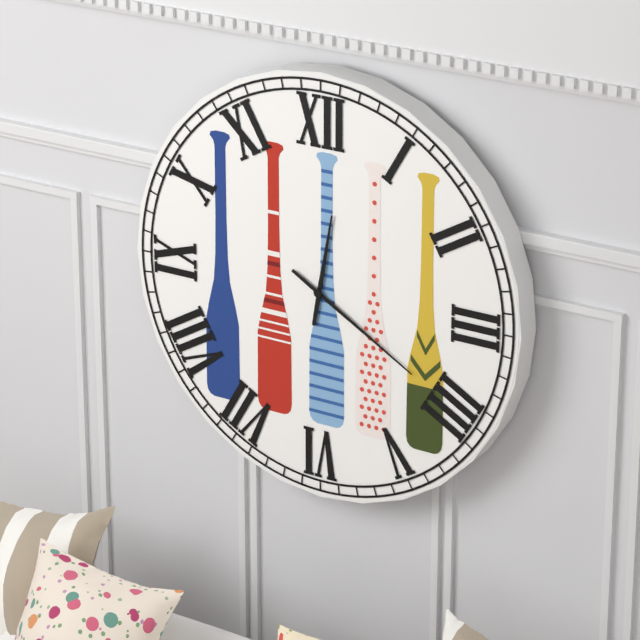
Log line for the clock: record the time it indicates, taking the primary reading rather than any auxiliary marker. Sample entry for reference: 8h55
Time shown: 12h20
